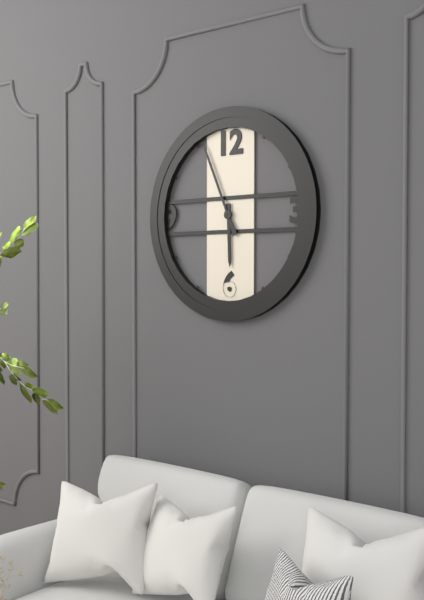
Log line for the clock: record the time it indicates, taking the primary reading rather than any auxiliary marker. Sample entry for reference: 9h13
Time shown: 5h56
